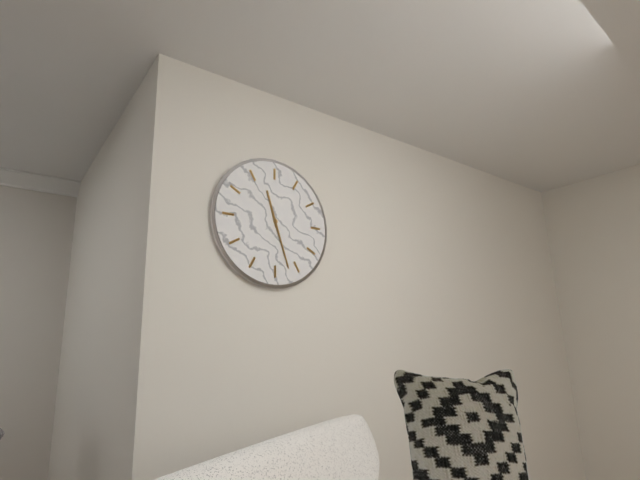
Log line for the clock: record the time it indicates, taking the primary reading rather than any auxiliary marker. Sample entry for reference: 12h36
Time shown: 11h27
